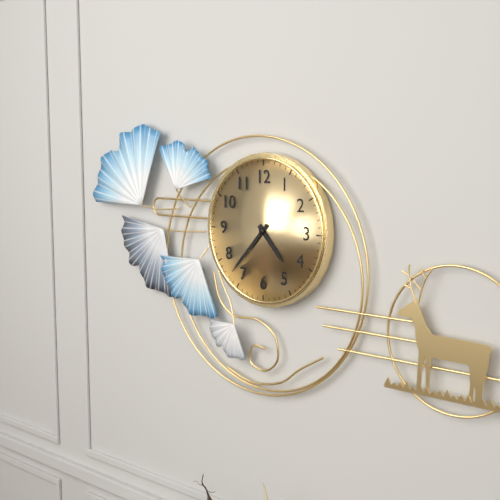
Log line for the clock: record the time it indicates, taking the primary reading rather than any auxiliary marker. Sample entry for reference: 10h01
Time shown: 4h37
